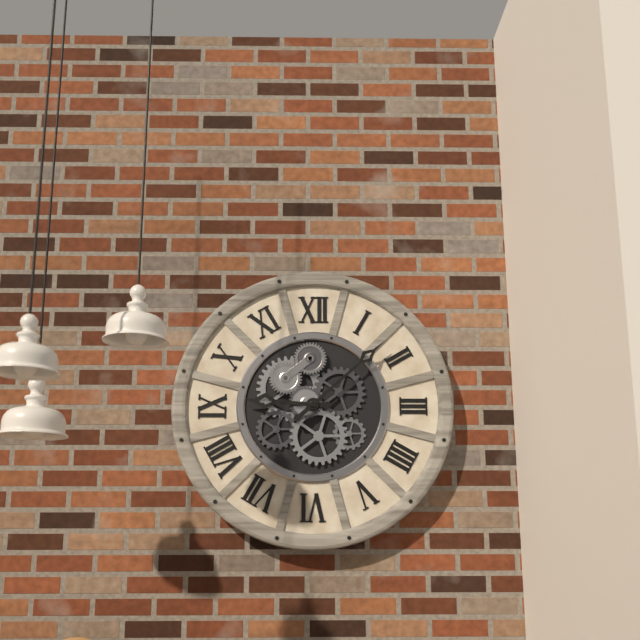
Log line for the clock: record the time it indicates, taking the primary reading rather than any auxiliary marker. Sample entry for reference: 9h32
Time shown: 9h08
